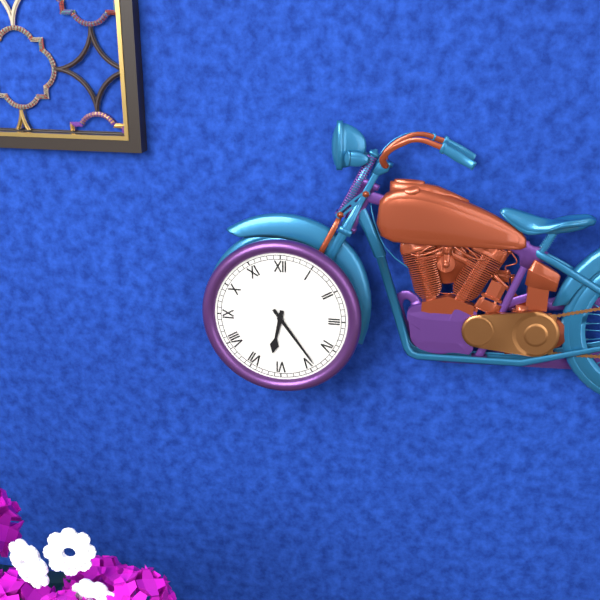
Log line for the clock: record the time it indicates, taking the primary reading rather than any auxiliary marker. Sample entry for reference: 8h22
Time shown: 6h24
